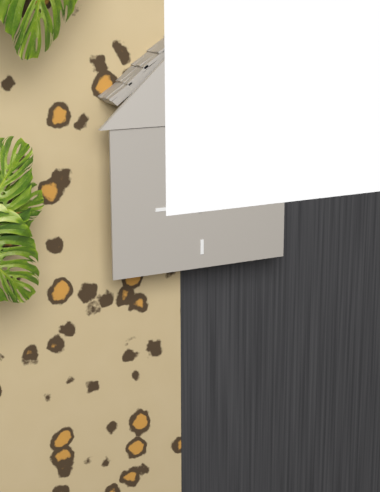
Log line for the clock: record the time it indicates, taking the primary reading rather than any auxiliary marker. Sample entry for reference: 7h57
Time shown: 2h06
